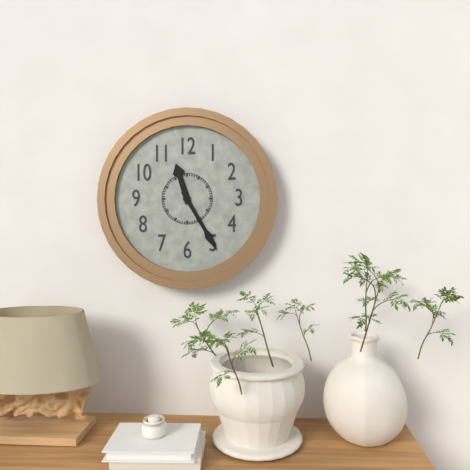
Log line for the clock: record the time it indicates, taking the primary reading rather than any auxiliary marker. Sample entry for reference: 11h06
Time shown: 11h25
